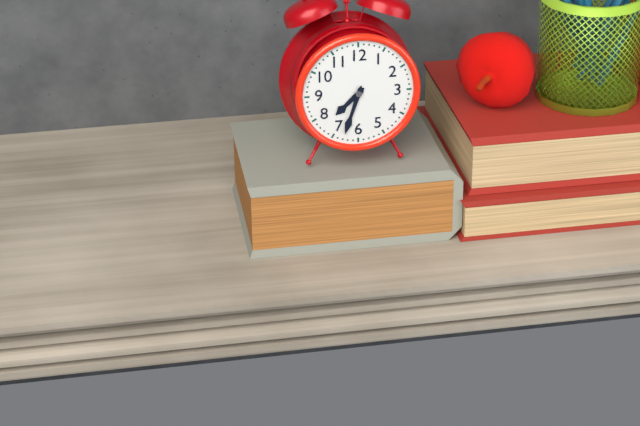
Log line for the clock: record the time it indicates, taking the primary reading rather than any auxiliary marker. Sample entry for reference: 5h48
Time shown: 7h33
